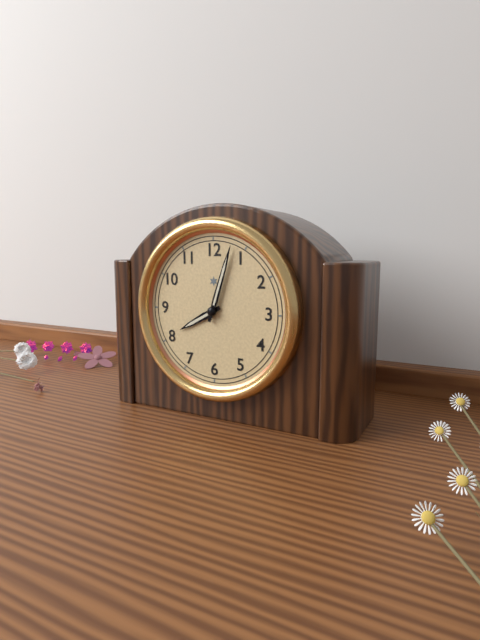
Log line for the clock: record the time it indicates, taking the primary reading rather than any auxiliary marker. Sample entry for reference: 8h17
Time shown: 8h03
